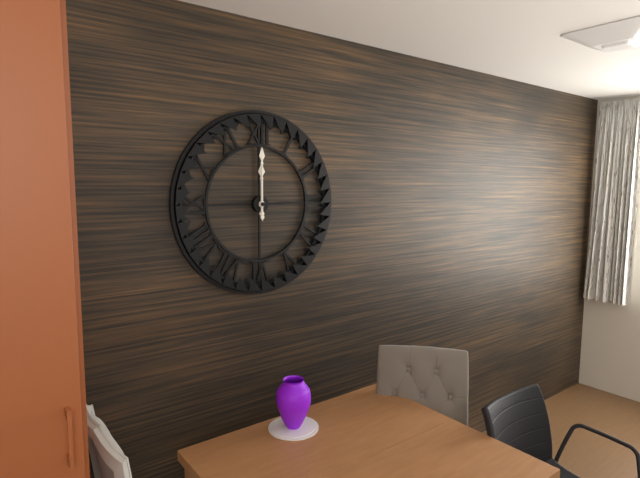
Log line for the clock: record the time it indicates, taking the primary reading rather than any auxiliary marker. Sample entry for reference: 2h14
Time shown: 12h00
